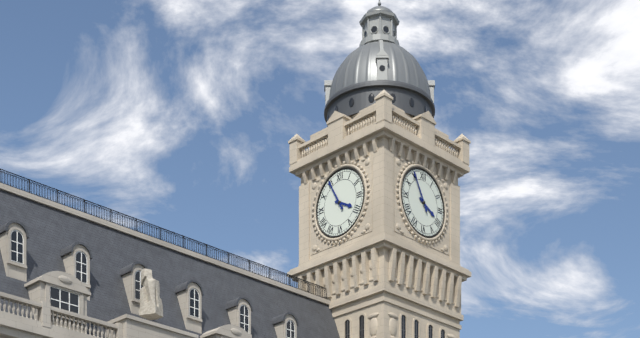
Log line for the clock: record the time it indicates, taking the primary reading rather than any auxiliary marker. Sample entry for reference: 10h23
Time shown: 3h55
